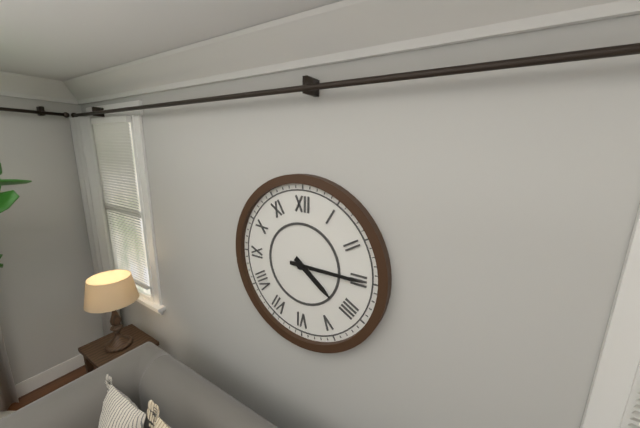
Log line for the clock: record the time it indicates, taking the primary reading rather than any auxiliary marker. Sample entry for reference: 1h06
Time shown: 4h15
